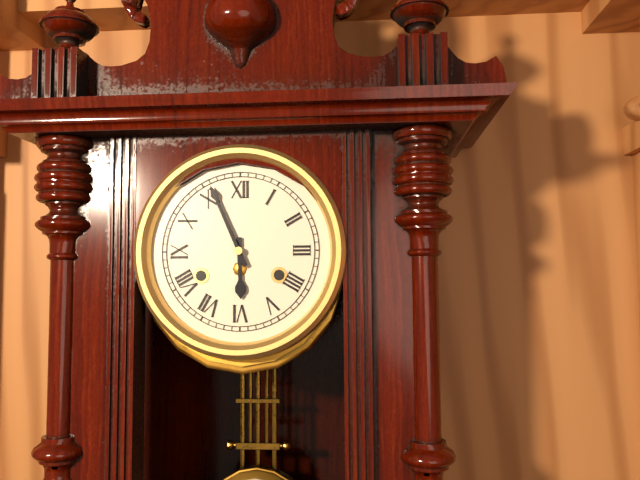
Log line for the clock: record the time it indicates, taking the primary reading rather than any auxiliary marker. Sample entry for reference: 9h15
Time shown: 5h56
